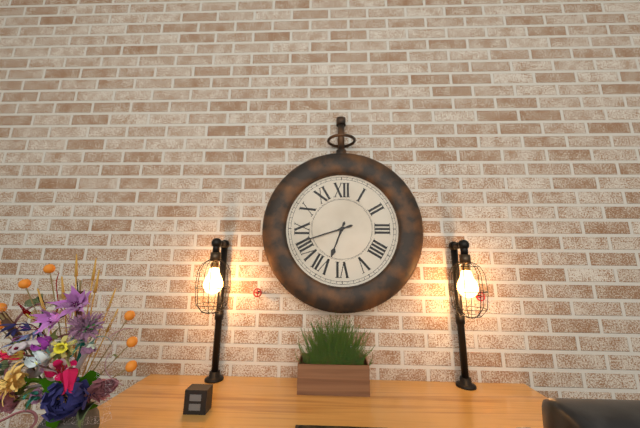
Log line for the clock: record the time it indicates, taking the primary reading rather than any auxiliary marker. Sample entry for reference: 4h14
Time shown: 6h42
